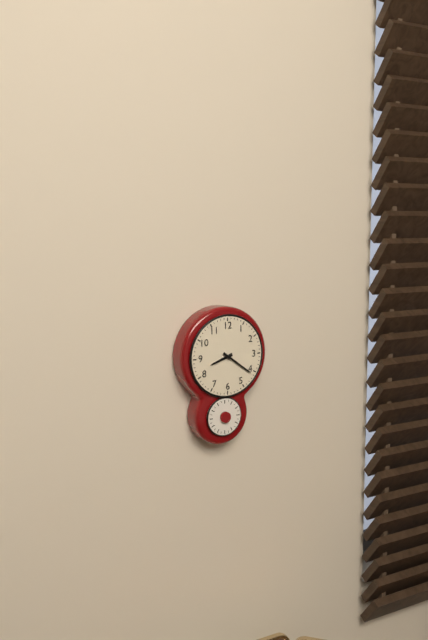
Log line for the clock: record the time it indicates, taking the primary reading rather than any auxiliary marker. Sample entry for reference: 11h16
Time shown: 8h21
